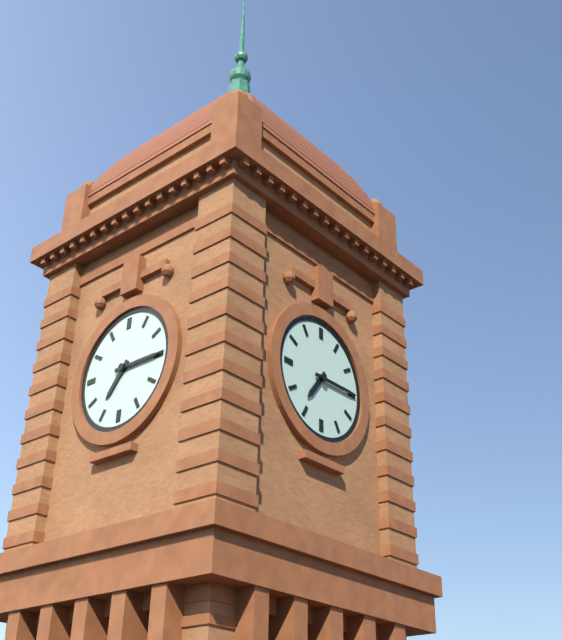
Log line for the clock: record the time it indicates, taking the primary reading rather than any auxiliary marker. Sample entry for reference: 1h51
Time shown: 7h15
